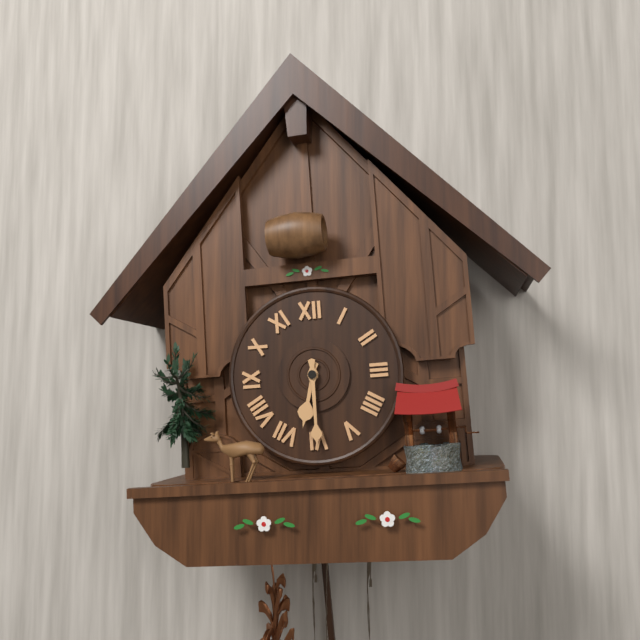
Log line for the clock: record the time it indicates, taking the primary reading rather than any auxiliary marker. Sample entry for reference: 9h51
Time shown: 6h30
